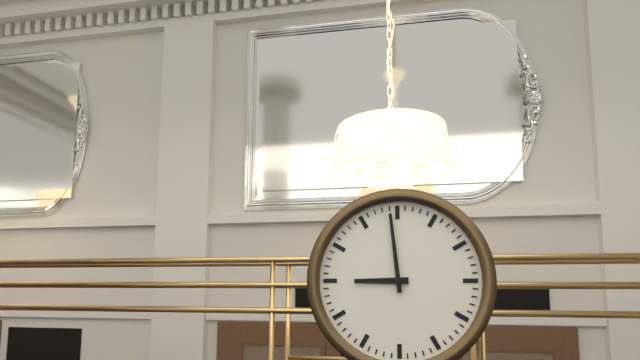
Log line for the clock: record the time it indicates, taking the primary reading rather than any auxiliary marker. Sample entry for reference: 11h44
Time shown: 8h59
